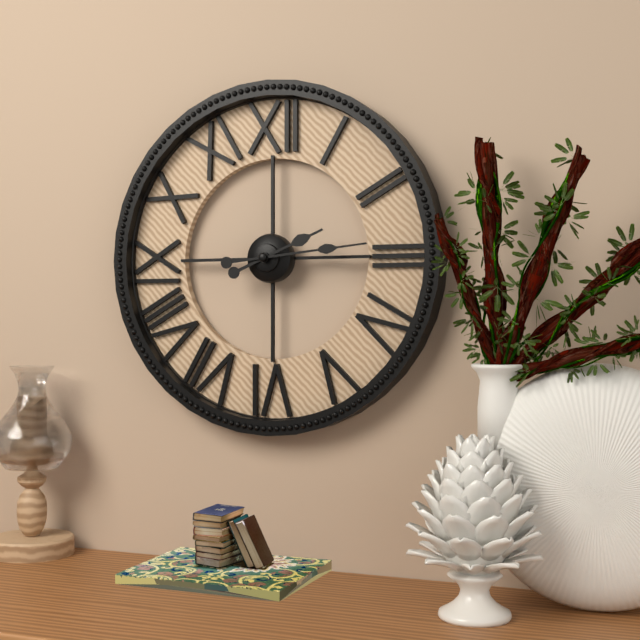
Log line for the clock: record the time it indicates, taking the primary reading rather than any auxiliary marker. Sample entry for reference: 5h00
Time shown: 2h14
